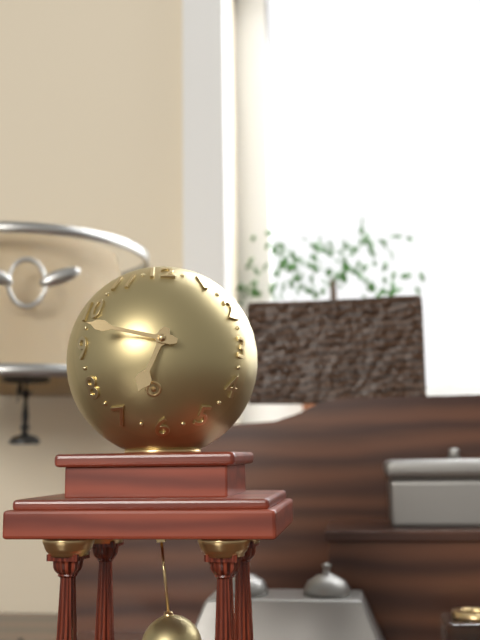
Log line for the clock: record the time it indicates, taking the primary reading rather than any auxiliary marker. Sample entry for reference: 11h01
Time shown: 6h47
